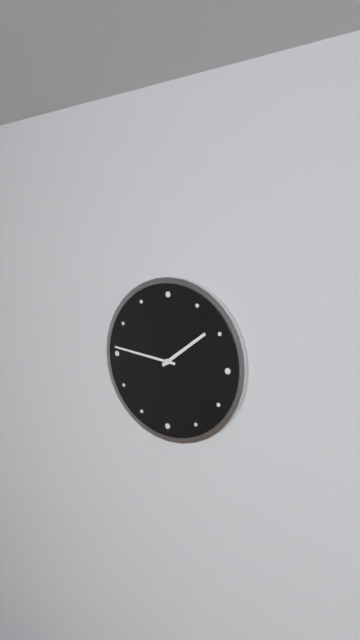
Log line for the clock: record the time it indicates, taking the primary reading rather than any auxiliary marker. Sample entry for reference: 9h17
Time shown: 1h46
